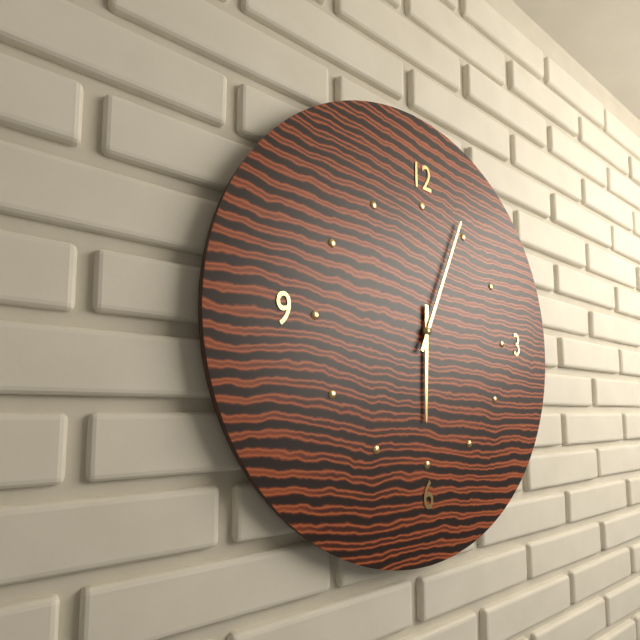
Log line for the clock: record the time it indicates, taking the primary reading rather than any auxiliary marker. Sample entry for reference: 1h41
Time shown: 6h04
